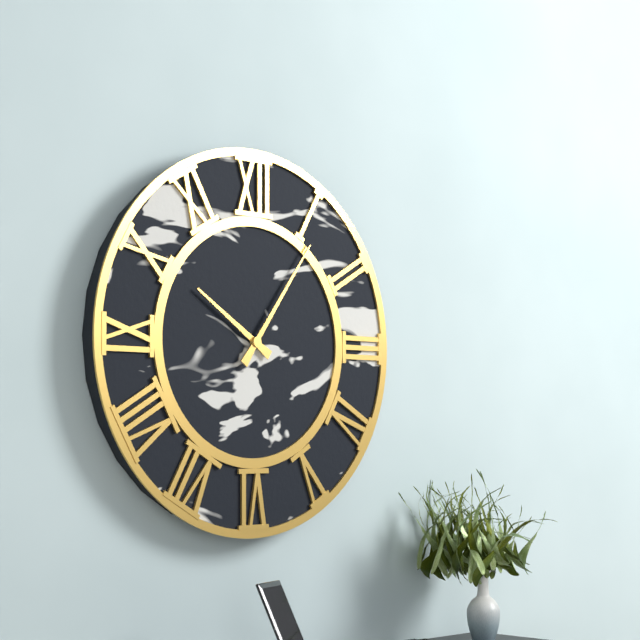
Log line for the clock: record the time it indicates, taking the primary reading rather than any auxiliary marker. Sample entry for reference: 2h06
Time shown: 10h06
